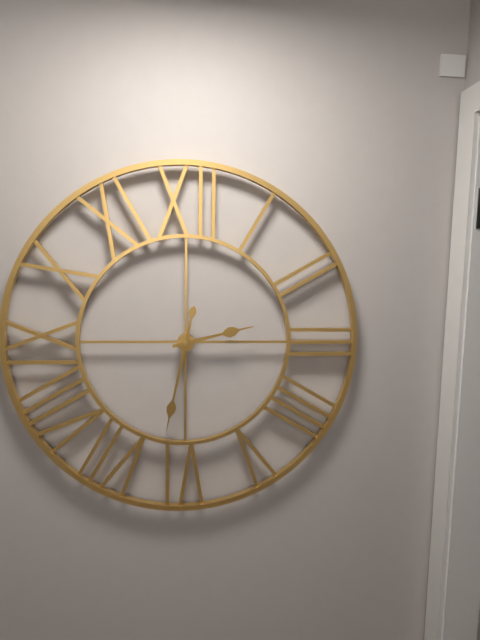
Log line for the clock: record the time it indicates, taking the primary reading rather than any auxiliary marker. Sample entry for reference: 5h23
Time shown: 2h32
